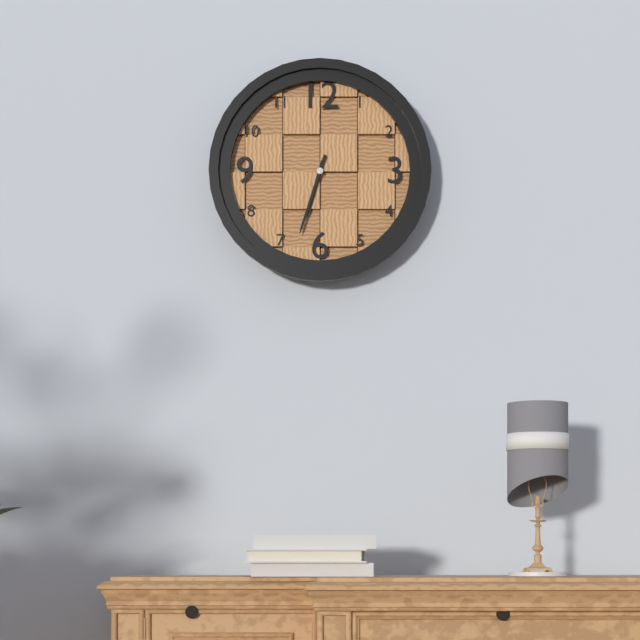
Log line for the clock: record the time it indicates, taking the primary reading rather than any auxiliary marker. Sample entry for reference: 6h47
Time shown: 6h33
